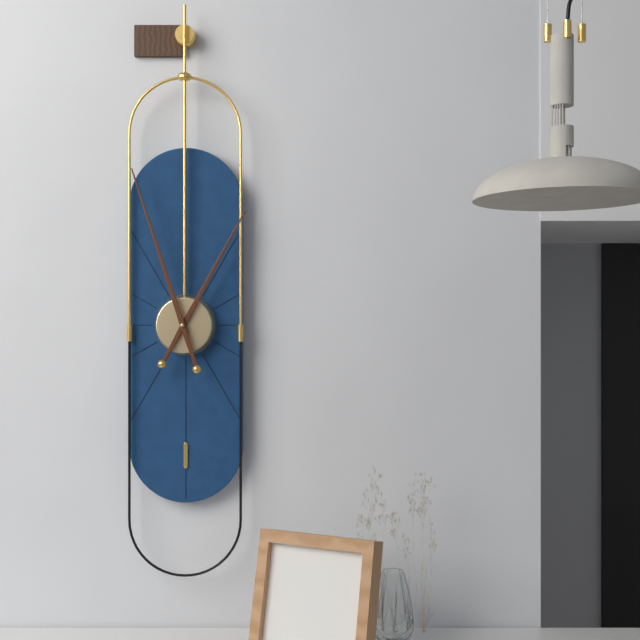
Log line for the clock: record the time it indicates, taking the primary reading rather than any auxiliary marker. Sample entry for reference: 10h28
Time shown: 12h57
